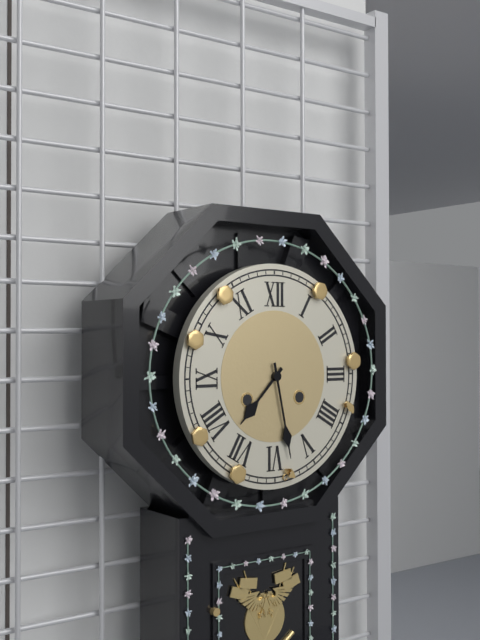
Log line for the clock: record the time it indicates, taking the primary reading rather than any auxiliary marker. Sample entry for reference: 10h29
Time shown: 7h28
